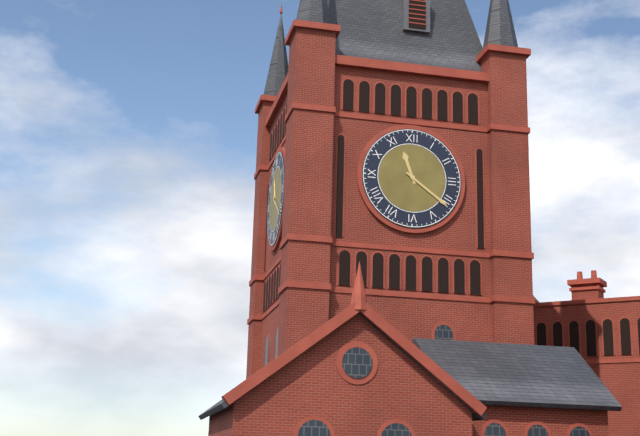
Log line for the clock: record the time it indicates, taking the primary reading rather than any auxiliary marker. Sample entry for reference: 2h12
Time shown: 11h21
